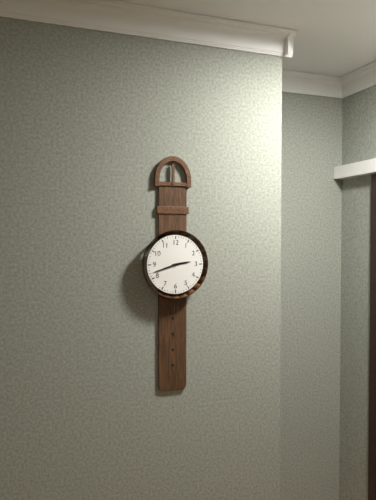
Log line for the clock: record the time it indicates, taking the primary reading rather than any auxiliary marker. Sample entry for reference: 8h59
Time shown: 2h42
